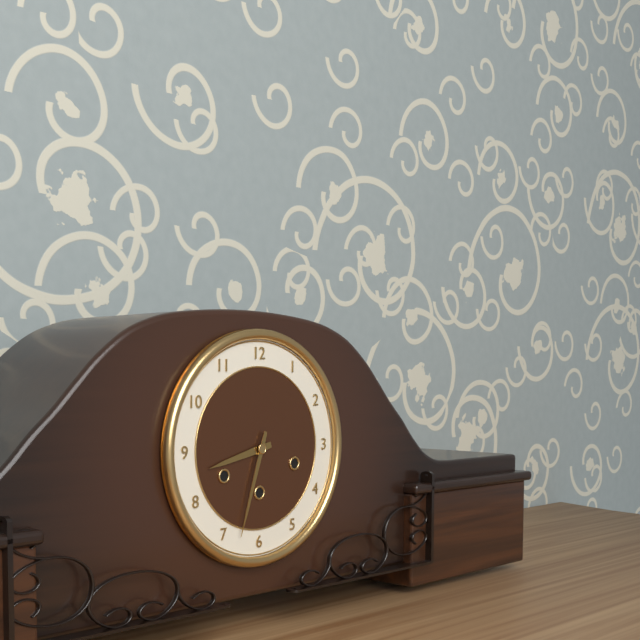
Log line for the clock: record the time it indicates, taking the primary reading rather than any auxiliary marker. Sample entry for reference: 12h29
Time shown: 8h33
